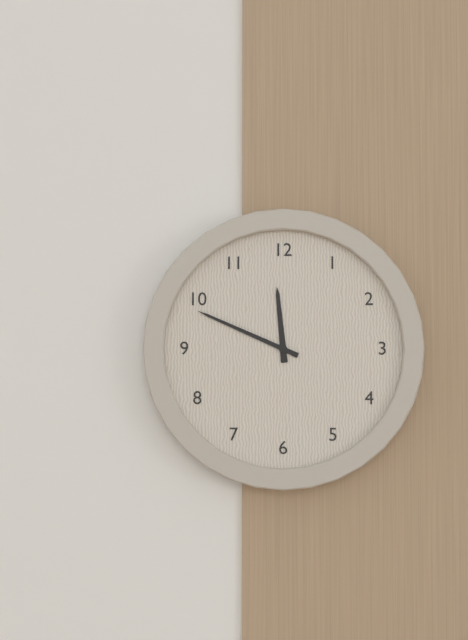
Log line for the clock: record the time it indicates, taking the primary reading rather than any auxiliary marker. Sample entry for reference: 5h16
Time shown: 11h49
